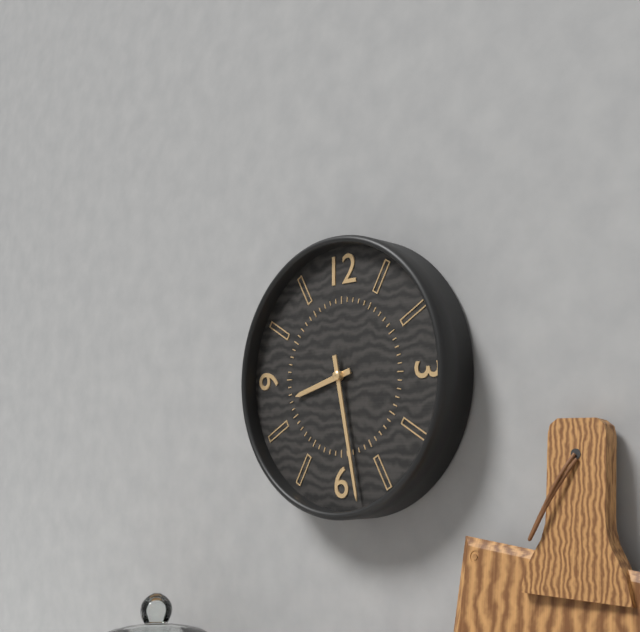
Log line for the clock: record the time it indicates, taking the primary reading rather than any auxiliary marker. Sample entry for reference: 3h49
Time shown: 8h28
